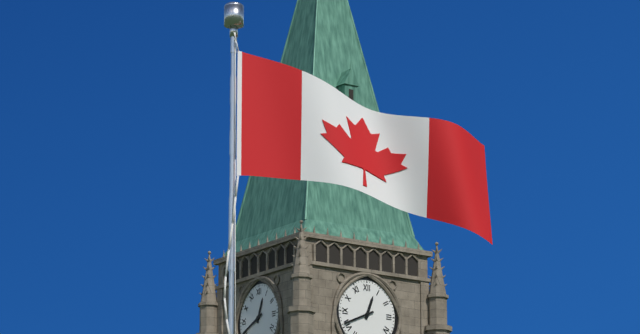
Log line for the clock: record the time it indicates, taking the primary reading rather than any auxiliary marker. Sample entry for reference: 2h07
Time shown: 12h41
